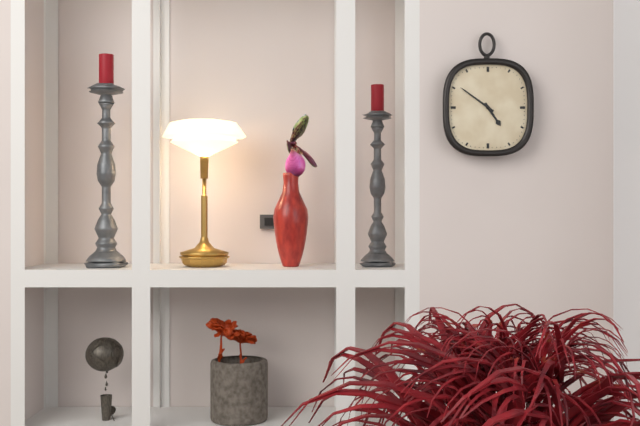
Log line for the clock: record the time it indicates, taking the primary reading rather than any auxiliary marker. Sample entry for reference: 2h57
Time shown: 4h51
